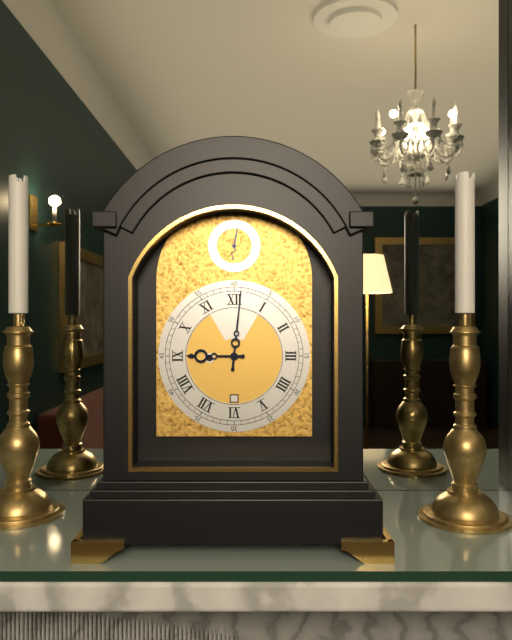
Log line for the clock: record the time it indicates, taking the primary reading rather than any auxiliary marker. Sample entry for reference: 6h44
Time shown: 9h01
